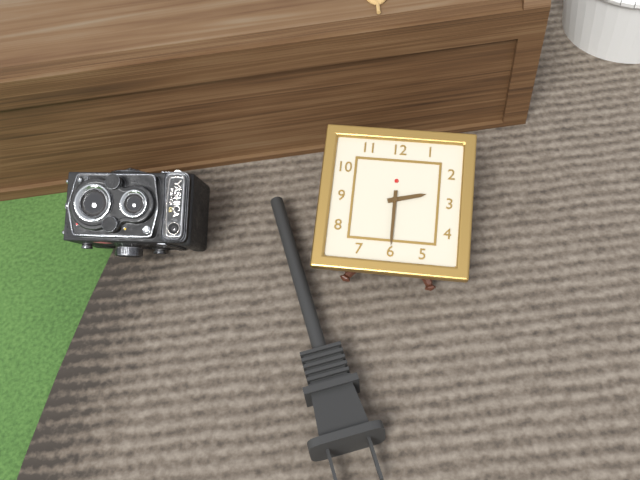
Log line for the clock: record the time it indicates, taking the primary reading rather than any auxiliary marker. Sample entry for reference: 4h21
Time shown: 2h30
